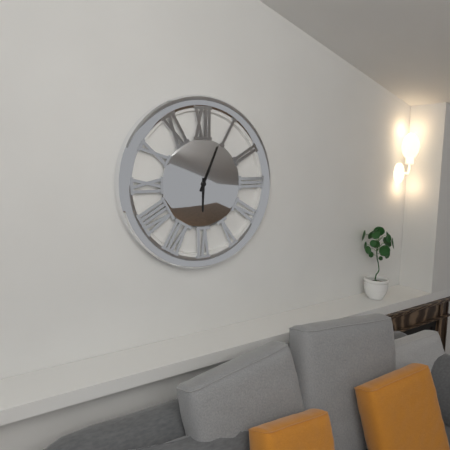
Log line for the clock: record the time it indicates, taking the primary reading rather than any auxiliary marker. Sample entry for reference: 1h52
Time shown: 6h04
